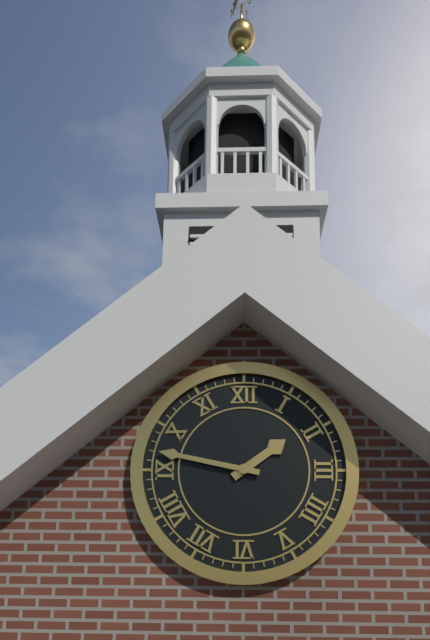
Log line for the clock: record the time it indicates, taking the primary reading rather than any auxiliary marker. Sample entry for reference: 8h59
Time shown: 1h47
